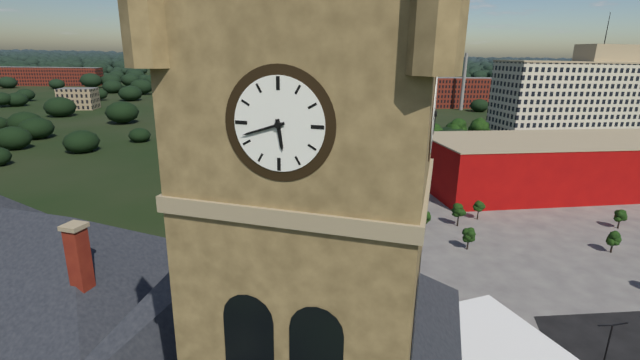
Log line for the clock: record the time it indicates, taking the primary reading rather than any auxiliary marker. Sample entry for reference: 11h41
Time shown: 5h42
